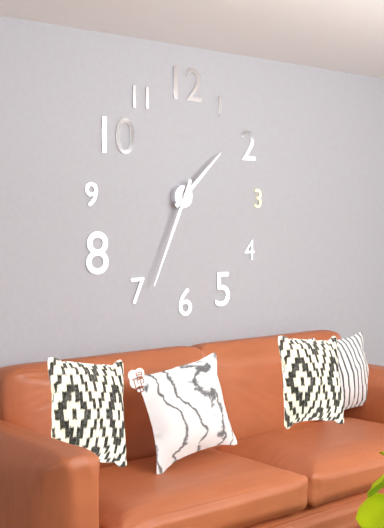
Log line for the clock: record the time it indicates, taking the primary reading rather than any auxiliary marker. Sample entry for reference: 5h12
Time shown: 1h34
